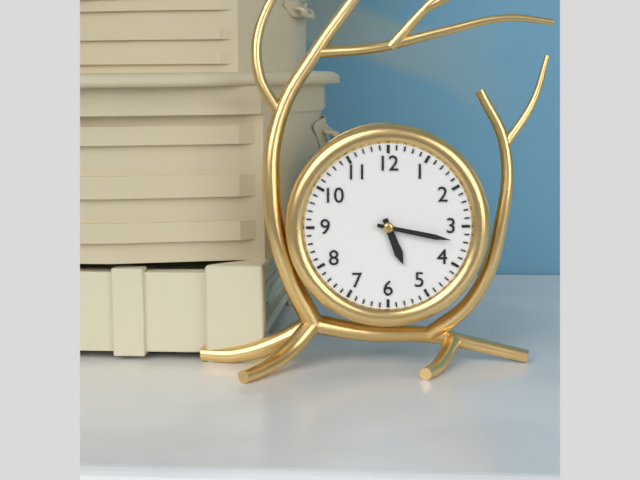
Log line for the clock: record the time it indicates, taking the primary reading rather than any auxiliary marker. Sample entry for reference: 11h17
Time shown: 5h17
